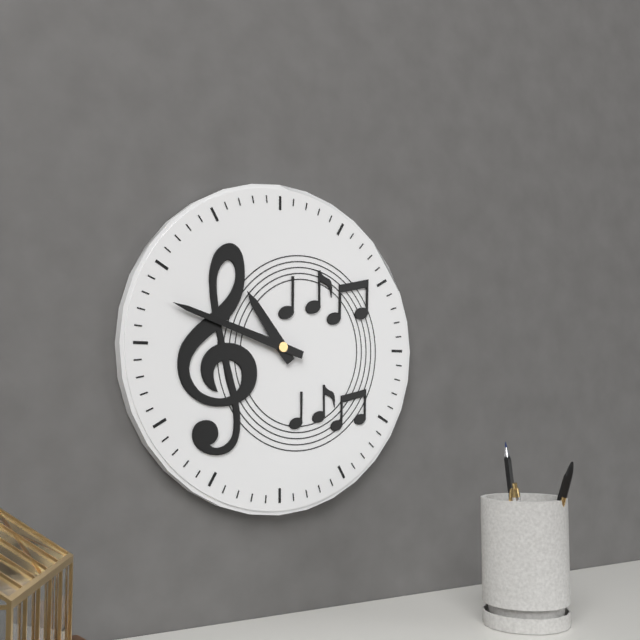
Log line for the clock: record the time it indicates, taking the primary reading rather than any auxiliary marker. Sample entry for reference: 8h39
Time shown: 10h48
